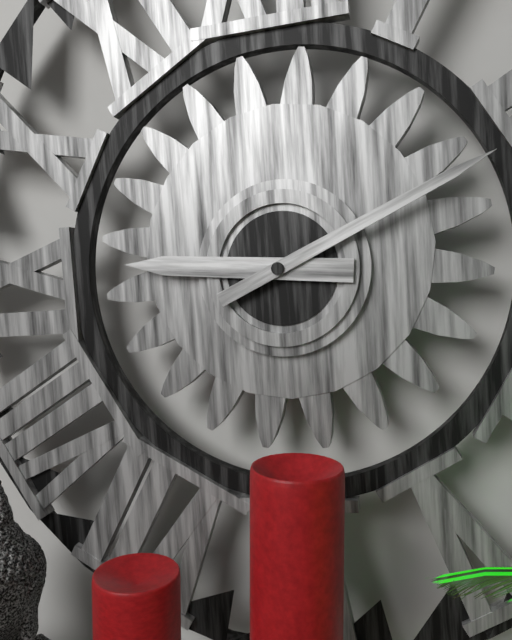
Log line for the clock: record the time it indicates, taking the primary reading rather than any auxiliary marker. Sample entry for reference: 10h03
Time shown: 9h11
